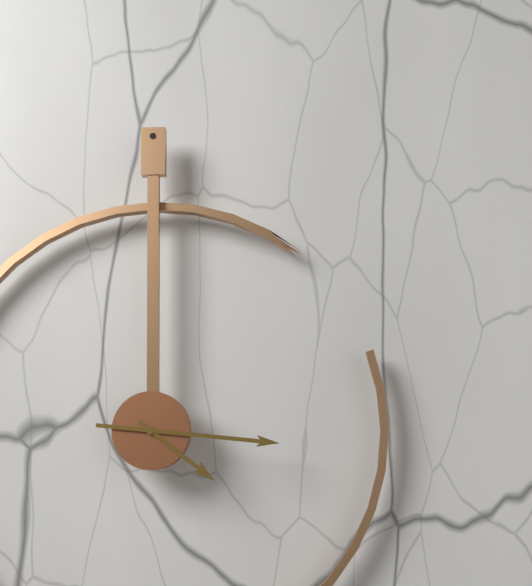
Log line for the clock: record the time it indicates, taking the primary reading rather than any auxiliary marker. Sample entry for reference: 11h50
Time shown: 4h16
